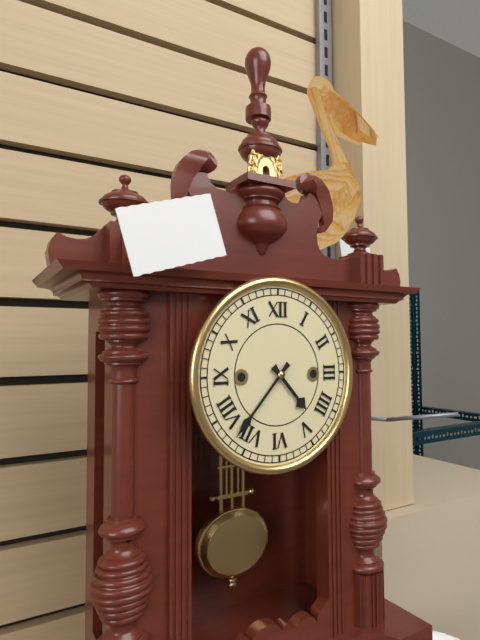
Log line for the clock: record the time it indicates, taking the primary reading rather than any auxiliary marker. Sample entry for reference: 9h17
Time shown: 4h37
